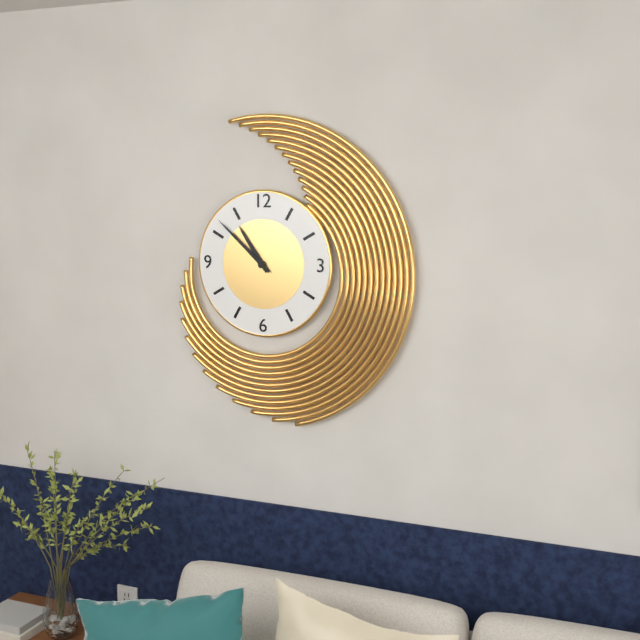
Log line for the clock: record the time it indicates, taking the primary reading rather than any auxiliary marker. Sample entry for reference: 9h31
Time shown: 10h52
